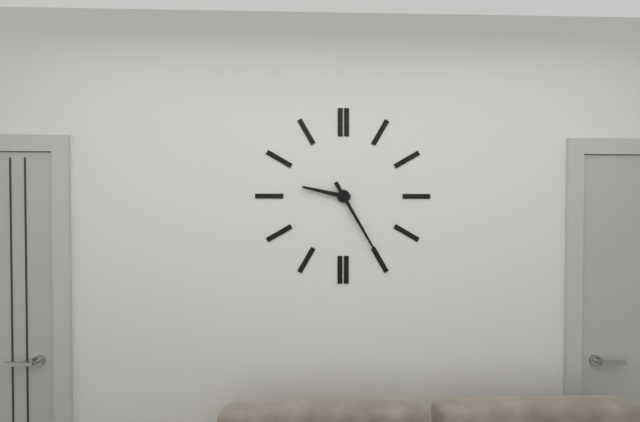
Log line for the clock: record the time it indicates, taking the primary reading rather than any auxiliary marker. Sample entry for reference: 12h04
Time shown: 9h25
